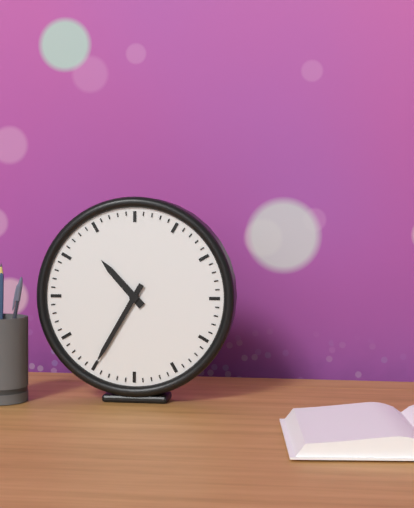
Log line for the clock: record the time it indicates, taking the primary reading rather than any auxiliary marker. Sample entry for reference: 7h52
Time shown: 10h35
